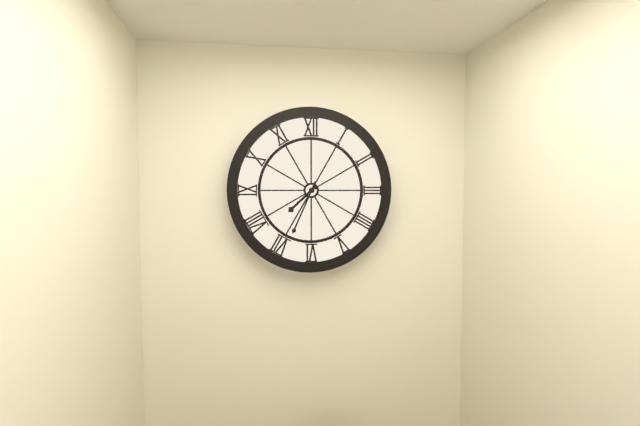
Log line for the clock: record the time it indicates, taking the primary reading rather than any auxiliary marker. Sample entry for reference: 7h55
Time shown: 7h34
